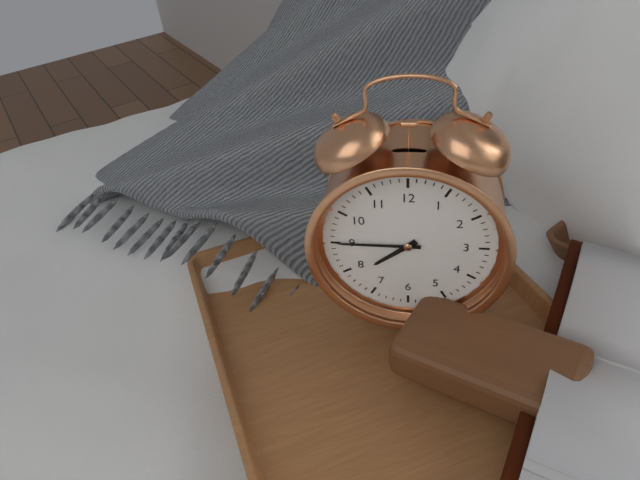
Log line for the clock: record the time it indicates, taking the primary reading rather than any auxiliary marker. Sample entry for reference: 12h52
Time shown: 7h45
